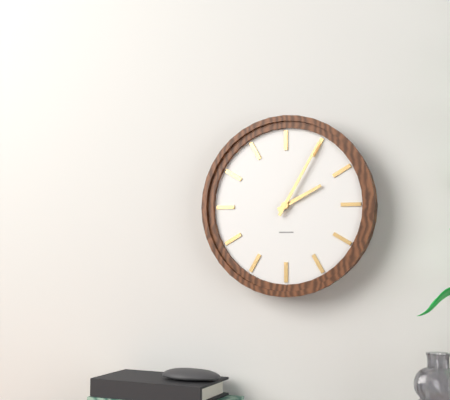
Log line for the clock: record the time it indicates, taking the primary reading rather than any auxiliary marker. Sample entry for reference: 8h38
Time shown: 2h05
